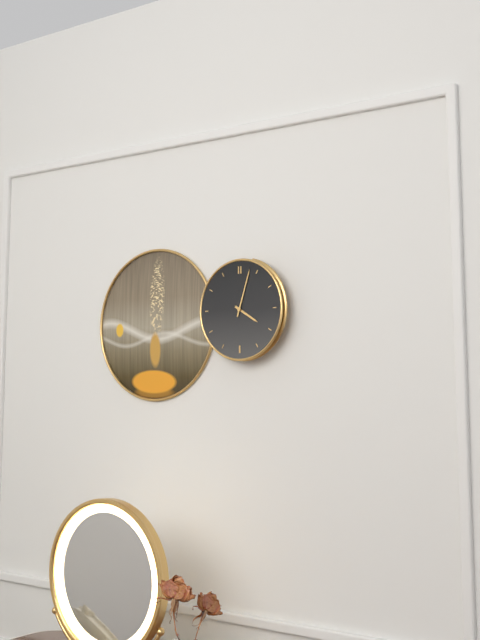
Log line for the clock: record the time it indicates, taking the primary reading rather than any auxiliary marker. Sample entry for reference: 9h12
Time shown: 4h03
